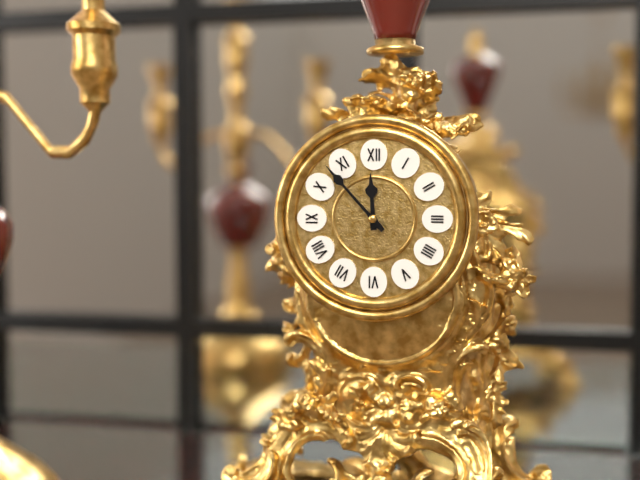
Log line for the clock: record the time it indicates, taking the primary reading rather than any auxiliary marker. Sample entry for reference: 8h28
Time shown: 11h53
